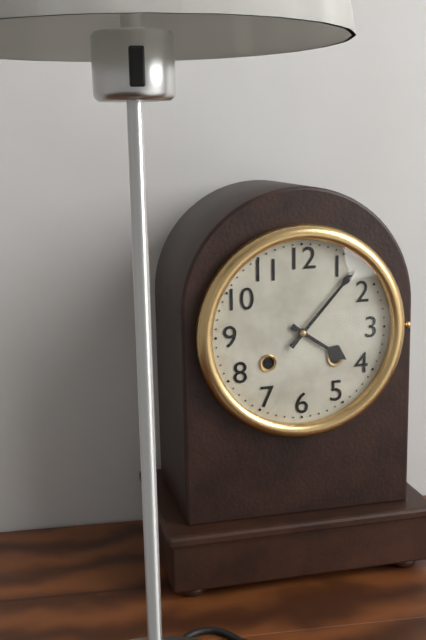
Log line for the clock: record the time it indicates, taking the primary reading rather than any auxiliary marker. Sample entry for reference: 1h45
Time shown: 4h07
